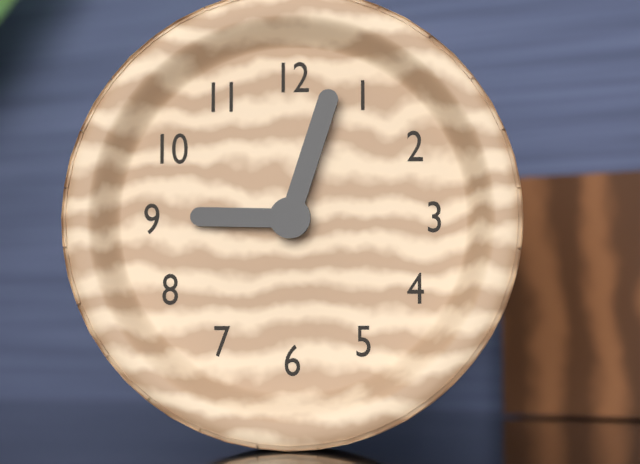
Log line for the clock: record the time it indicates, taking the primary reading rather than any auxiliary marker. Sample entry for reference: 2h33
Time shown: 9h03
